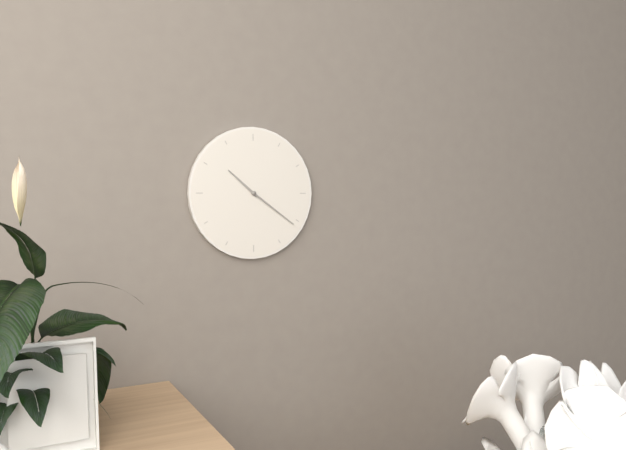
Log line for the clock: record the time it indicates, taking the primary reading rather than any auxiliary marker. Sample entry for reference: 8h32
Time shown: 10h21
